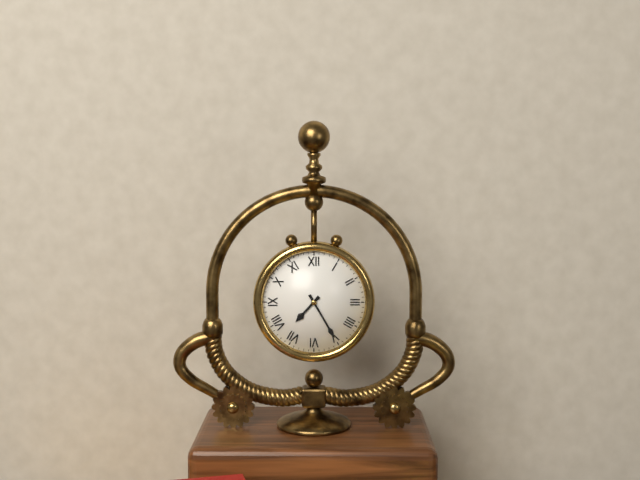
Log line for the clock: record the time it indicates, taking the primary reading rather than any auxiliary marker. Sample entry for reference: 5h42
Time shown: 7h25
